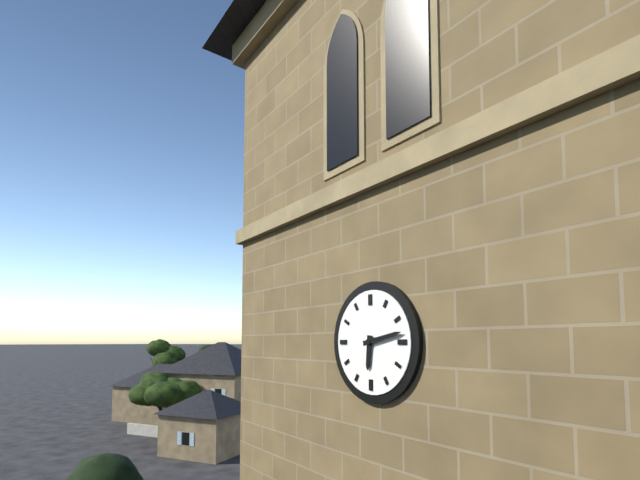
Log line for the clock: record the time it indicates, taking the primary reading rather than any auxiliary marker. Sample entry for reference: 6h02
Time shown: 6h13
